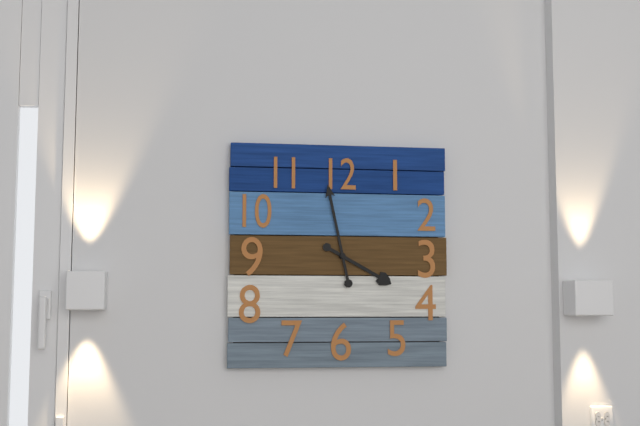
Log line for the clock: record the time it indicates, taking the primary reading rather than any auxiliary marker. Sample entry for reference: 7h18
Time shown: 3h58
